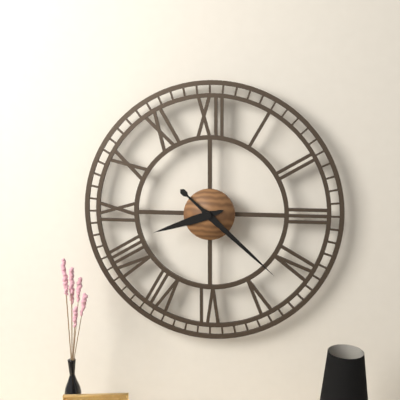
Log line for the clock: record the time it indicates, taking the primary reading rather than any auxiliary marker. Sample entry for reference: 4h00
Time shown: 8h22
